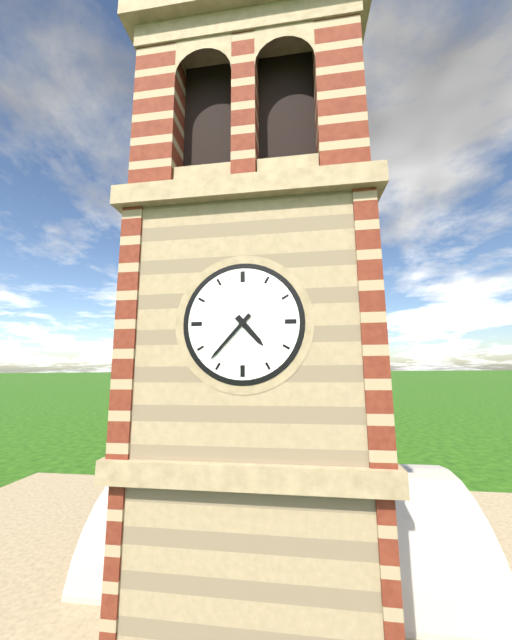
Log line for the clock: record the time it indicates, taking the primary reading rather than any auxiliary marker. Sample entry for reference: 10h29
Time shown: 4h37
